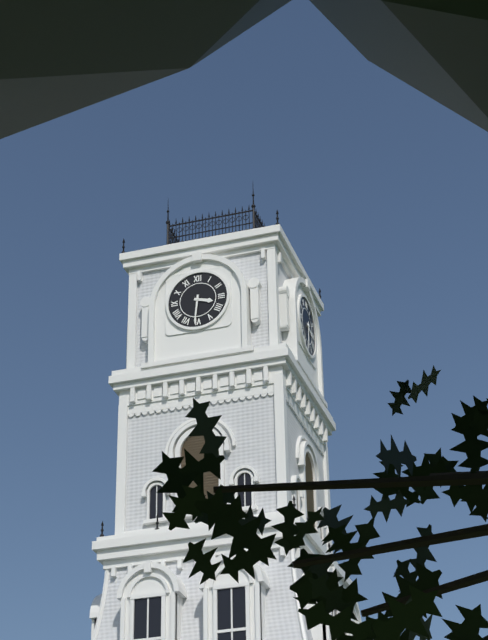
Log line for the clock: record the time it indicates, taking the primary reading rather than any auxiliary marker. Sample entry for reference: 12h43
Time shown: 3h31
